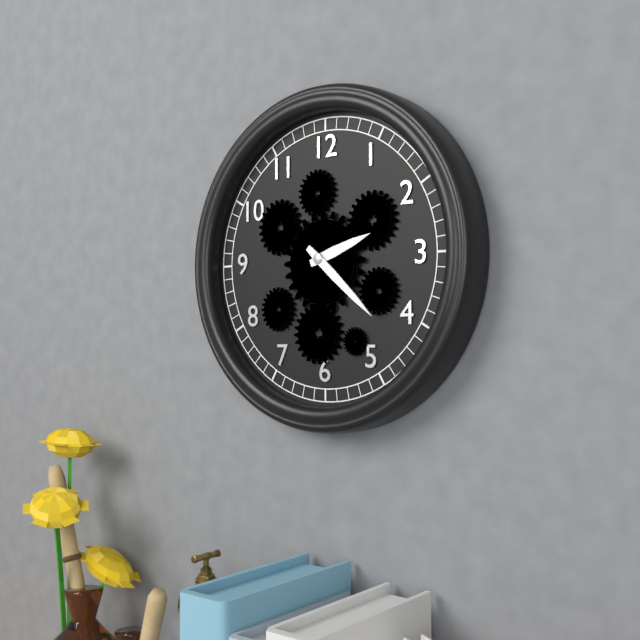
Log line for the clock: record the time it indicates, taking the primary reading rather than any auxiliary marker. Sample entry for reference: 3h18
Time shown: 2h22
